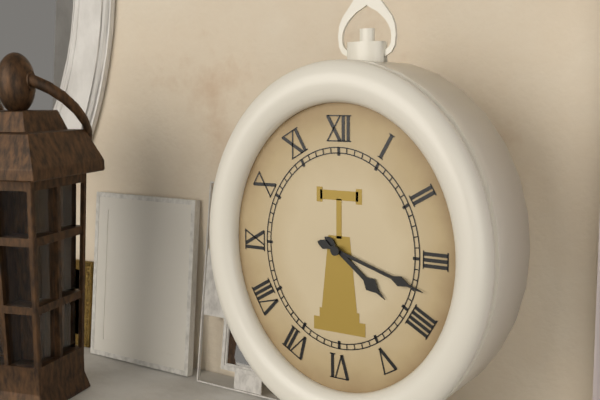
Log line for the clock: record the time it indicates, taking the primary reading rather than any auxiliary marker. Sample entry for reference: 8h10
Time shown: 4h18
